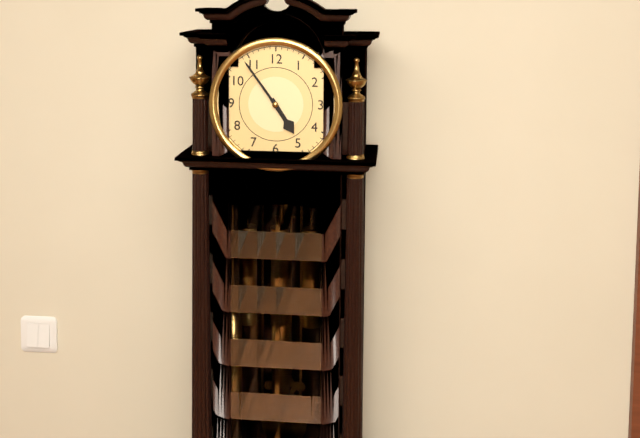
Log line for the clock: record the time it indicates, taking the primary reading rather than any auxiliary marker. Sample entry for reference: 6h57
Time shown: 4h54
